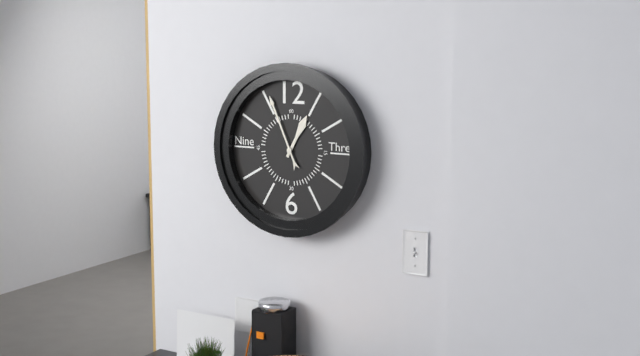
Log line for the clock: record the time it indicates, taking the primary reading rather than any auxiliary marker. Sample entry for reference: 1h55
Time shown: 12h56
